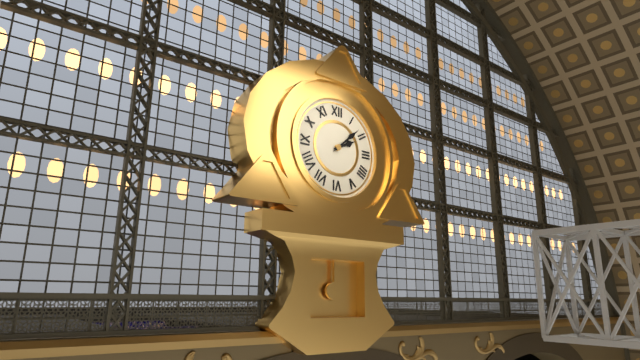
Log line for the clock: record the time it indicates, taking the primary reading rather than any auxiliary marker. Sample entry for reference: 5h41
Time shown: 2h08
